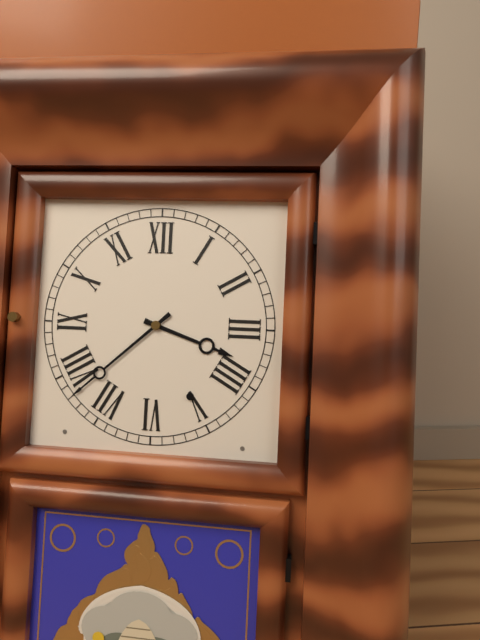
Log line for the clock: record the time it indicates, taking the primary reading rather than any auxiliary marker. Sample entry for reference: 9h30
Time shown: 3h38
